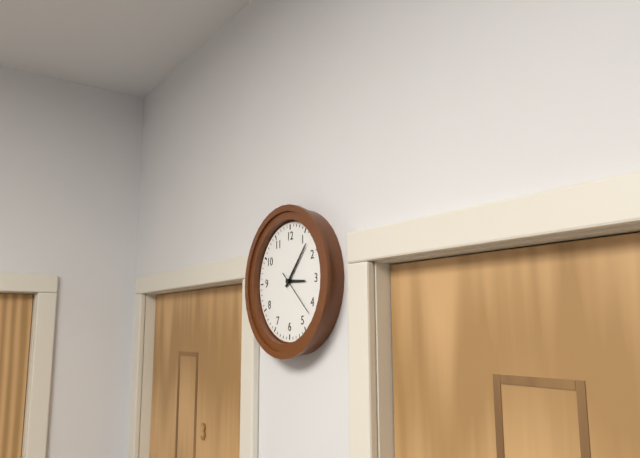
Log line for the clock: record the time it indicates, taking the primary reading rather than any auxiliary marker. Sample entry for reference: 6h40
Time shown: 3h07
